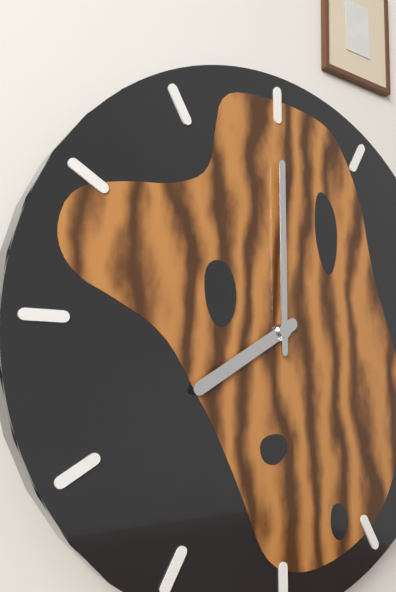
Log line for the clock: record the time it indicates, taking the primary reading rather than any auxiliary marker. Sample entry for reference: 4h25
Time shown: 8h00
